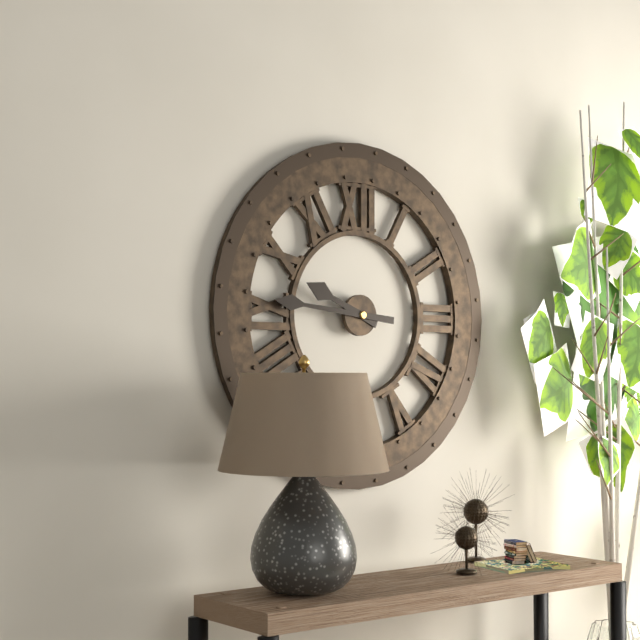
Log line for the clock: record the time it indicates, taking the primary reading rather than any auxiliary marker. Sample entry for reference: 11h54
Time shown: 9h46
